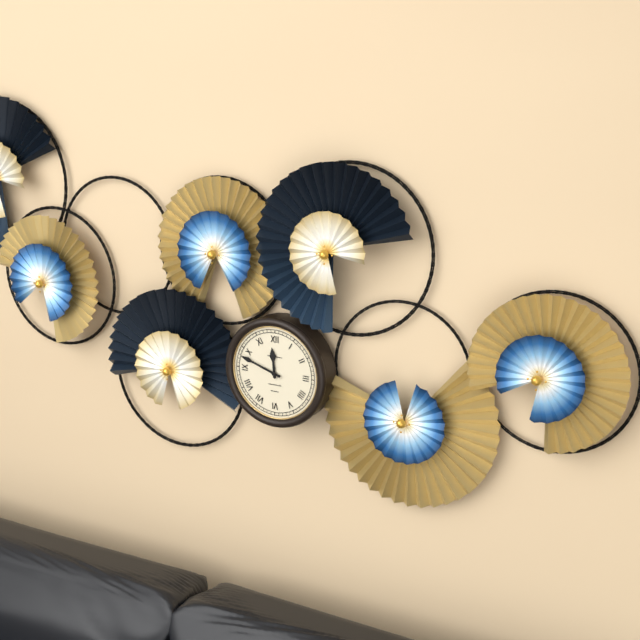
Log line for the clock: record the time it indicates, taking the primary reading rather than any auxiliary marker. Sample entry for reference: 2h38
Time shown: 11h48
